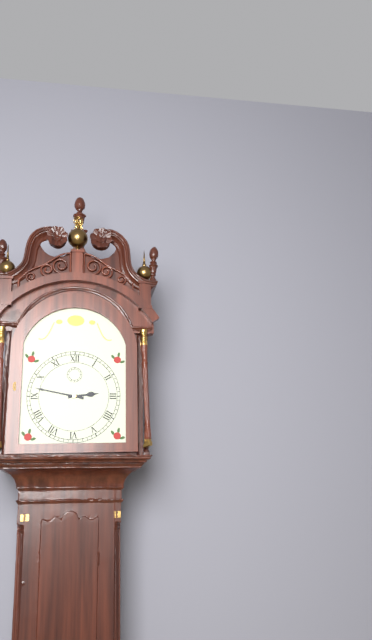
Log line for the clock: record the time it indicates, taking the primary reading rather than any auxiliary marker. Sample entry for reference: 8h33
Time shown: 2h47
